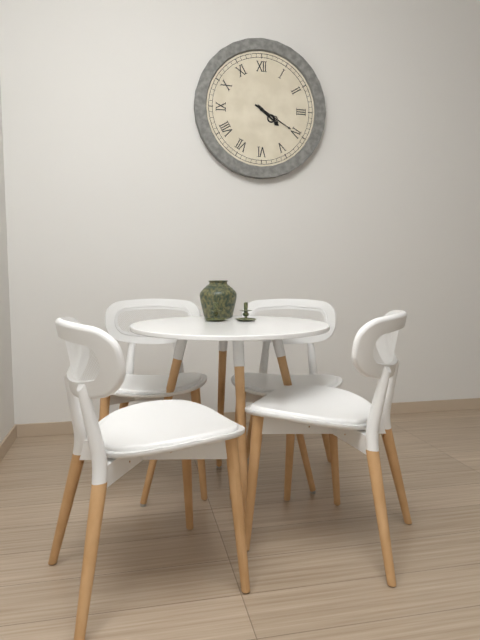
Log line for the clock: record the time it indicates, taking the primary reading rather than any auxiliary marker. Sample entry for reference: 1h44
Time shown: 4h20
